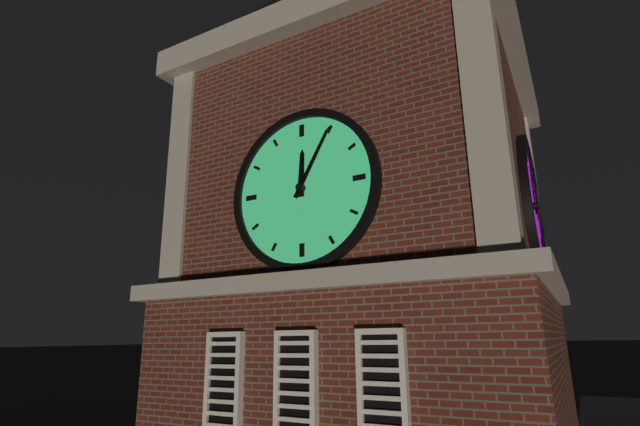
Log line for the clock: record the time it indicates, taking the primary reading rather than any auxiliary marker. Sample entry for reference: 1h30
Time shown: 12h05
